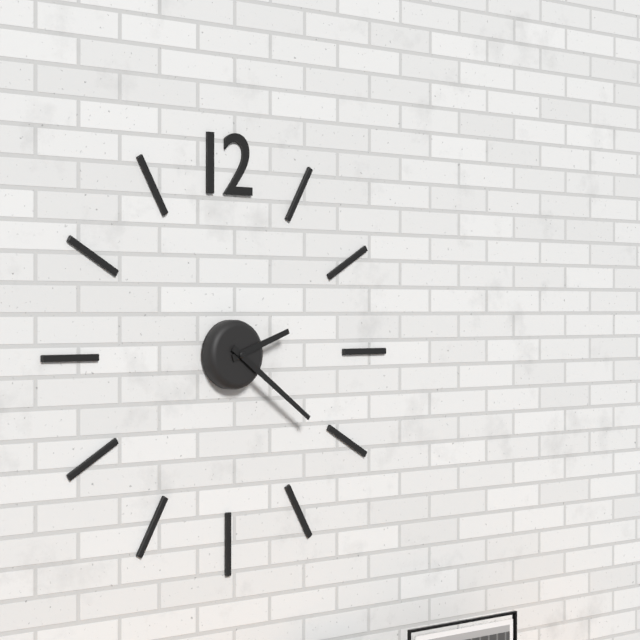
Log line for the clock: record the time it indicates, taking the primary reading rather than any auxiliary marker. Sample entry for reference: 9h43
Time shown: 2h21
